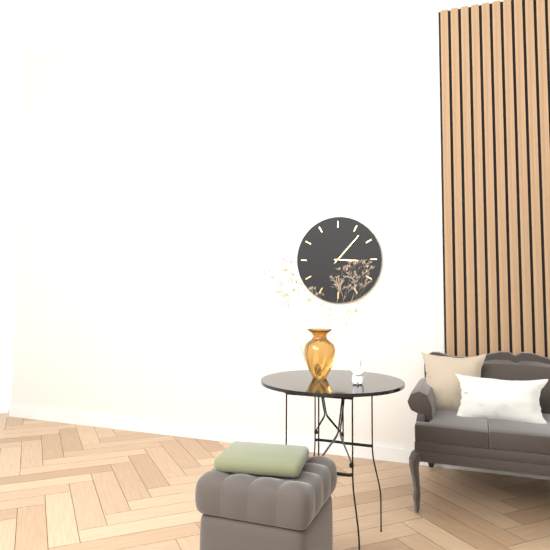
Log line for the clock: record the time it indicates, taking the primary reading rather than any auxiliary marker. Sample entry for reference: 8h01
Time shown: 3h07
